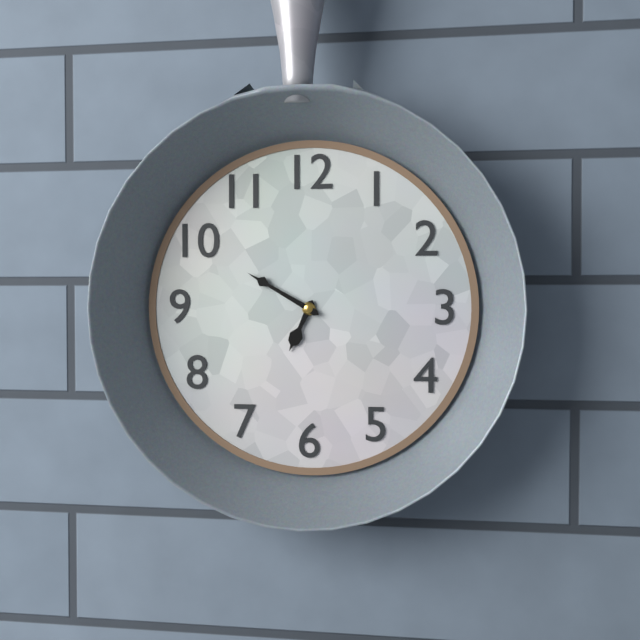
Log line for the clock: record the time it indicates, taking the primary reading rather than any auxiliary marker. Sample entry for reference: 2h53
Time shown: 6h50
